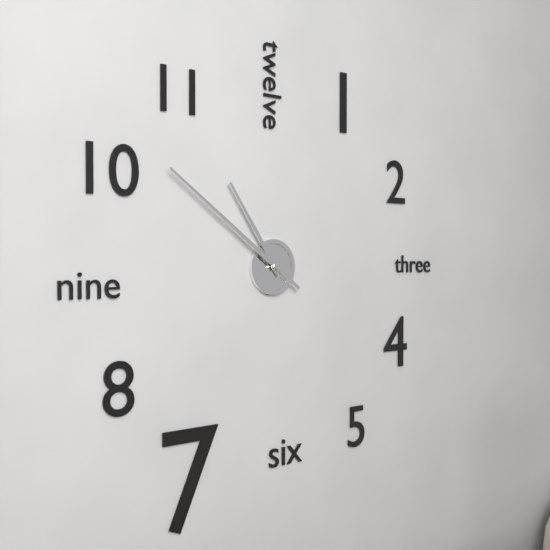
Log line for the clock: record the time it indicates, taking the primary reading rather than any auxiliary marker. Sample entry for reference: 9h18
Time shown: 10h51
